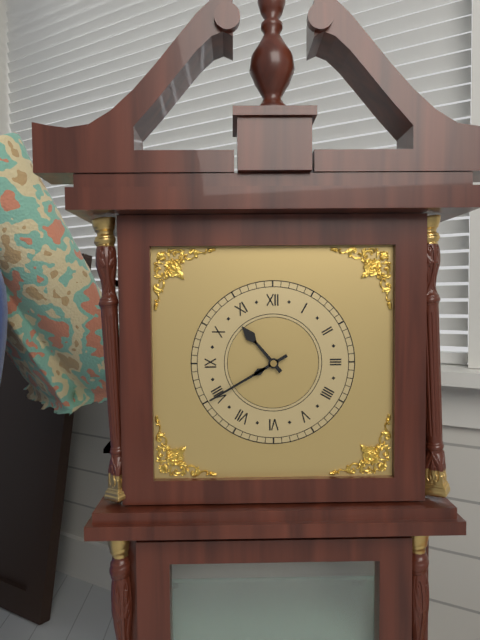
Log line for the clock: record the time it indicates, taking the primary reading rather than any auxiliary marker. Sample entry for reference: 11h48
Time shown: 10h40
